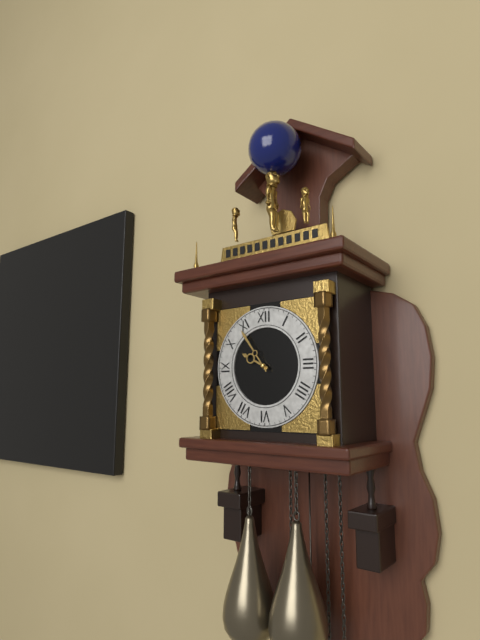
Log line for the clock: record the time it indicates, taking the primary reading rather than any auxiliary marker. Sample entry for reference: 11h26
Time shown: 9h54
